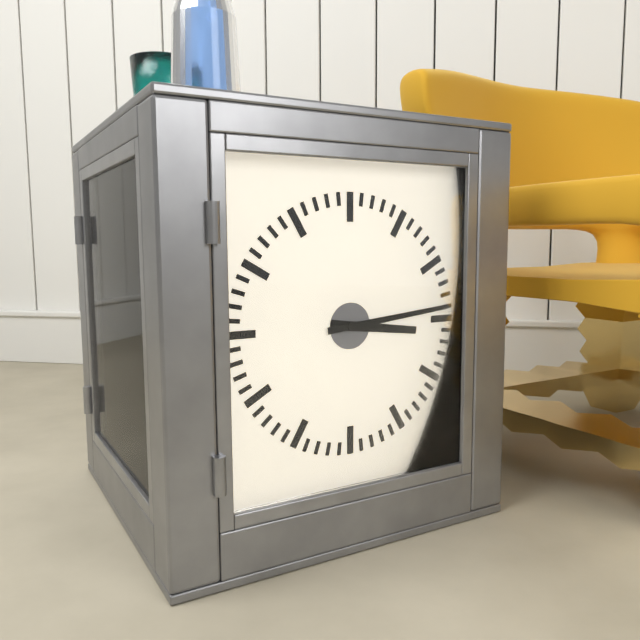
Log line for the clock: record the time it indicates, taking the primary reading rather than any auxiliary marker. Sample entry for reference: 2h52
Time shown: 3h14
